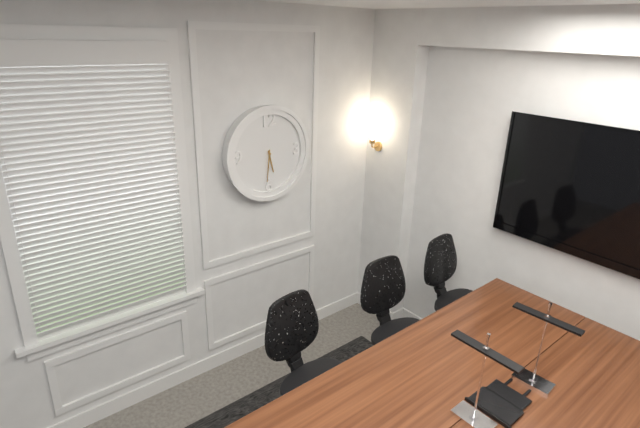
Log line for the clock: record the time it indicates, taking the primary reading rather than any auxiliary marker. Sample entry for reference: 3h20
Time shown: 5h31
